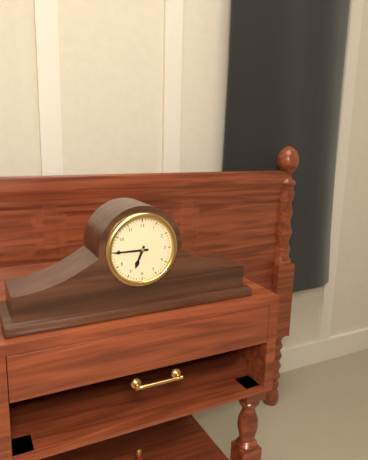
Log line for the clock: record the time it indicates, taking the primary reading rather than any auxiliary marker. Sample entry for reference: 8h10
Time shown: 6h45
